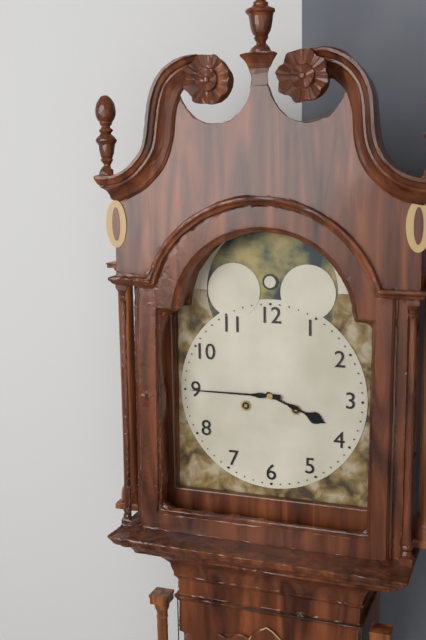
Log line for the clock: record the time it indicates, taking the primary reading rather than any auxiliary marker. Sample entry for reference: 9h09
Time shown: 3h45
